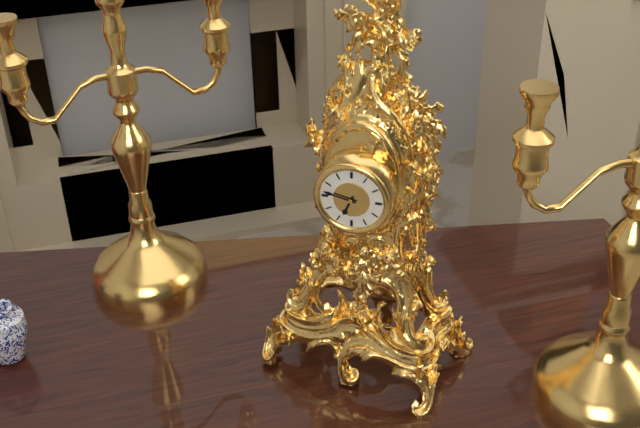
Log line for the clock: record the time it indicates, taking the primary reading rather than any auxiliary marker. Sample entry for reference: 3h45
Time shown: 6h47
